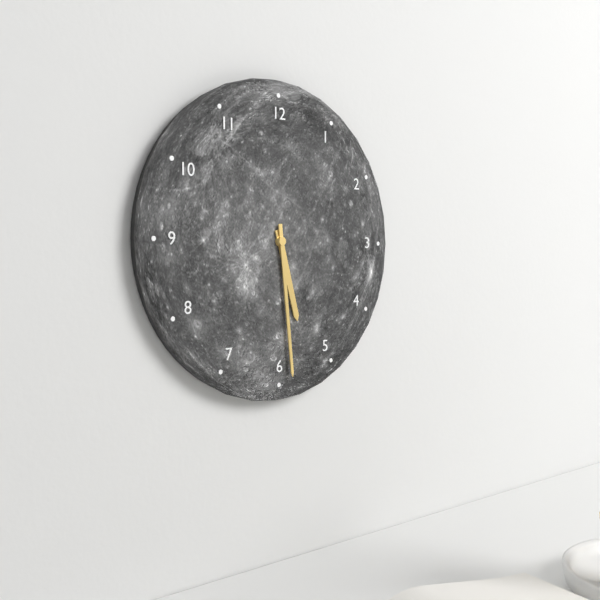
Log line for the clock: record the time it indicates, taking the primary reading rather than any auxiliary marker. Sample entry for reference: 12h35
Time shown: 5h29
